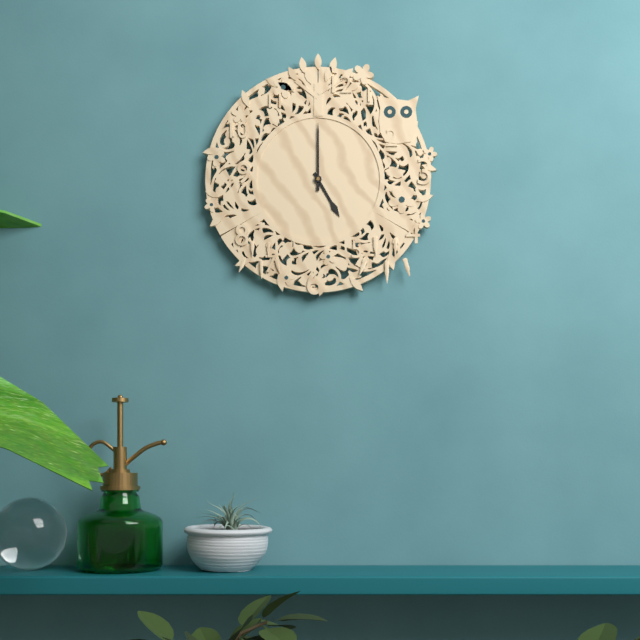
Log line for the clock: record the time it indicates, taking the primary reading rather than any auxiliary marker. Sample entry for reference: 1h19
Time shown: 5h00
